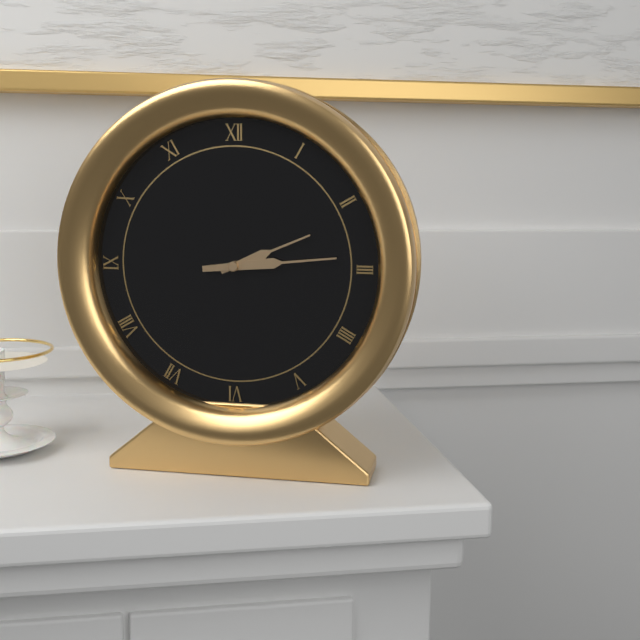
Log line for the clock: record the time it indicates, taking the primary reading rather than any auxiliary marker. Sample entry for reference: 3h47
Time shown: 2h14
